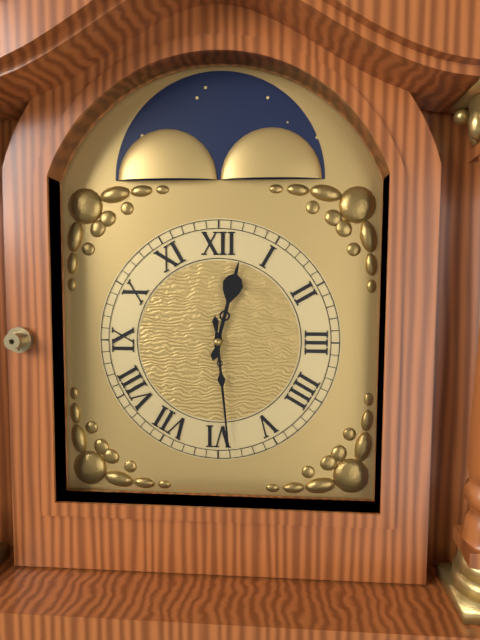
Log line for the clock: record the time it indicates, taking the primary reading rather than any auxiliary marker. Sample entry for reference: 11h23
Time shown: 12h29
